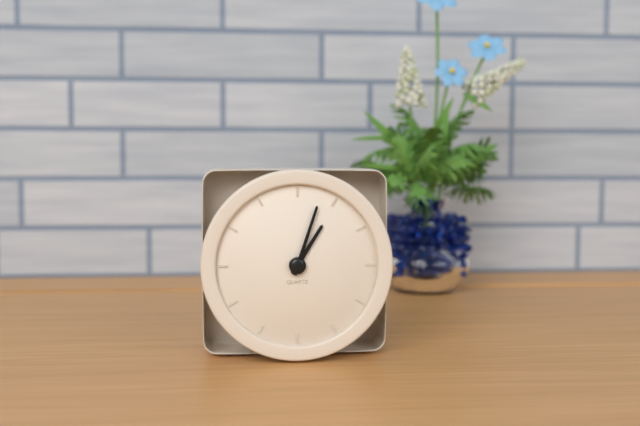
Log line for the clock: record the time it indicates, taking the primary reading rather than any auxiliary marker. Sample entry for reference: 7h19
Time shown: 1h03
